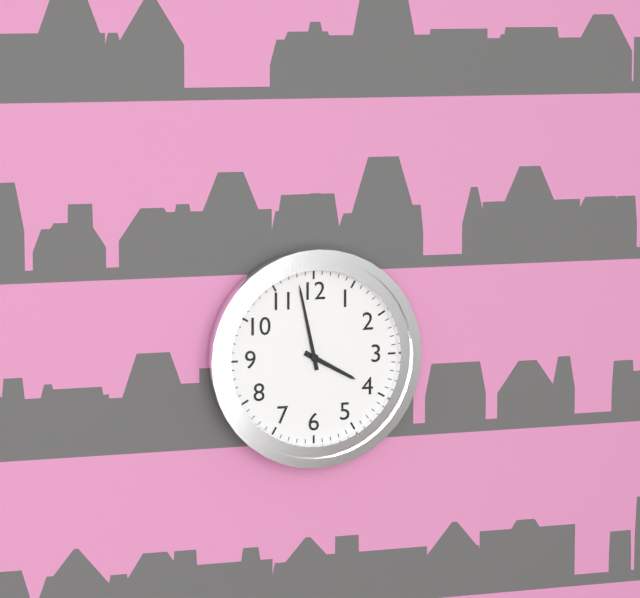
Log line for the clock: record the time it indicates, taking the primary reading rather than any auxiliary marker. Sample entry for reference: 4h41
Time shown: 3h58
